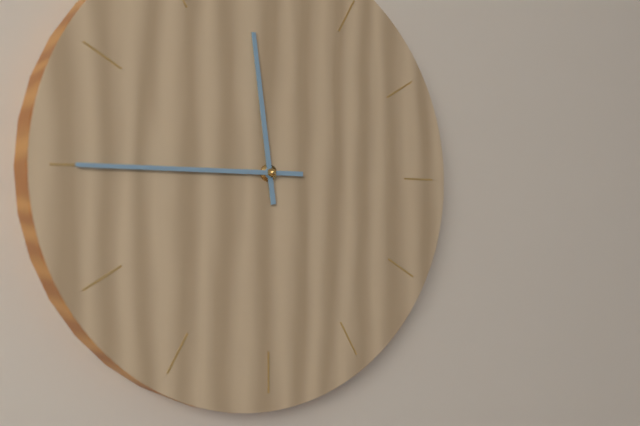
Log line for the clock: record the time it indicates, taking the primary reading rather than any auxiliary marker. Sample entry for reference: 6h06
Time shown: 11h45
